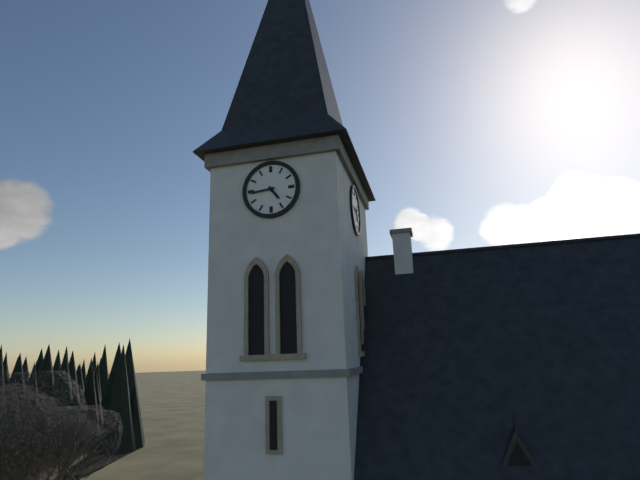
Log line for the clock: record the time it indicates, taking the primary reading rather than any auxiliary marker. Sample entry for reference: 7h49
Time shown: 4h44
